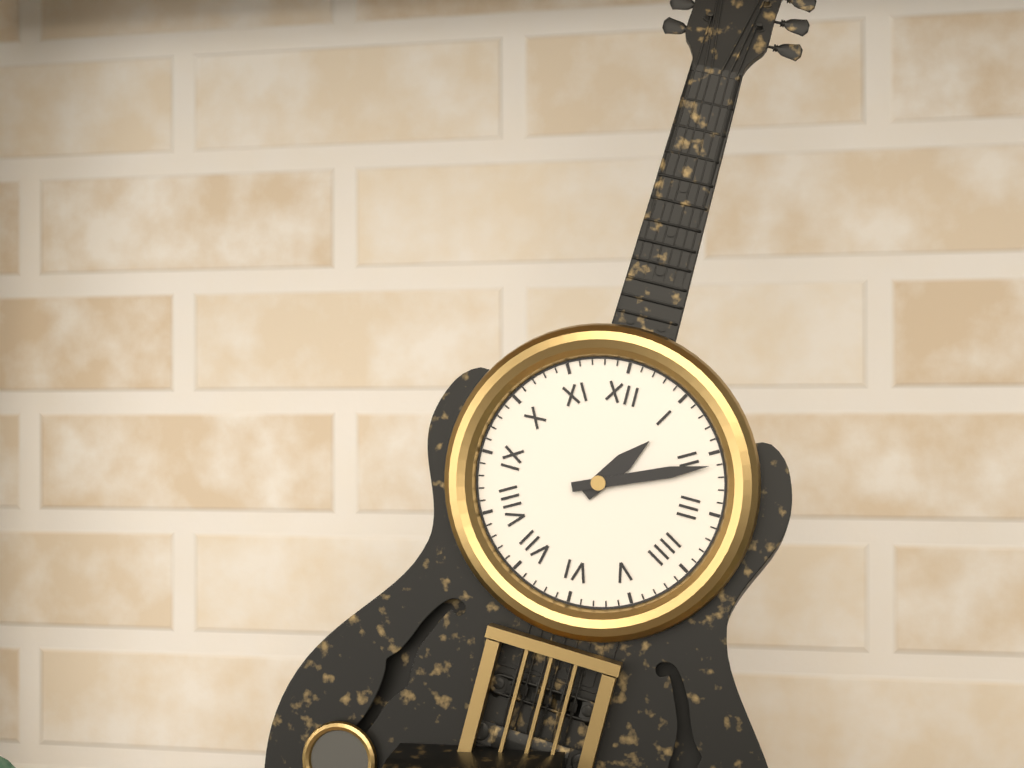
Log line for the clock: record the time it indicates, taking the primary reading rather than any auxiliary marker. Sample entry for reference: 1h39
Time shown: 1h11
